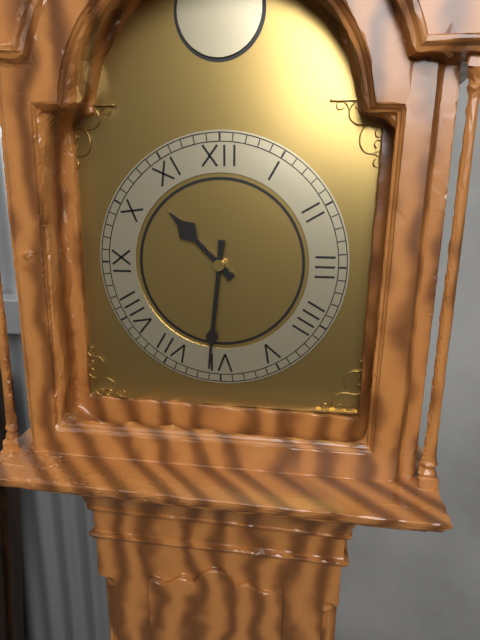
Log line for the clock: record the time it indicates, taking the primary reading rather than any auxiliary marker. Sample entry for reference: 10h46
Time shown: 10h31
